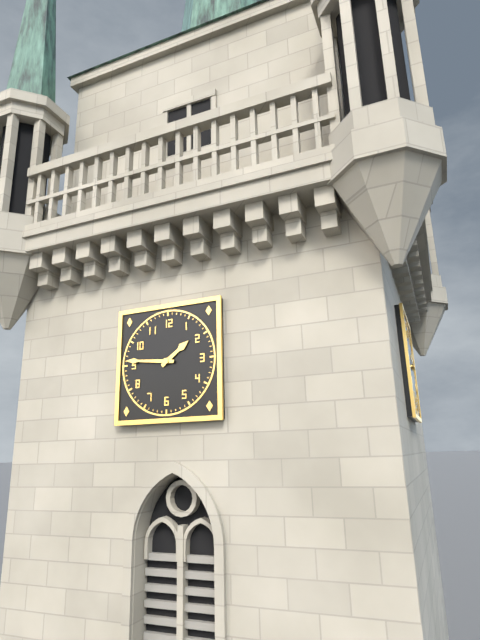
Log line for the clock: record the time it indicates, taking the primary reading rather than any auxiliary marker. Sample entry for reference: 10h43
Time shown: 1h46
